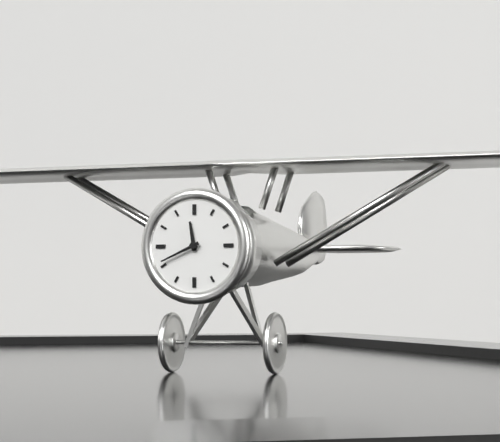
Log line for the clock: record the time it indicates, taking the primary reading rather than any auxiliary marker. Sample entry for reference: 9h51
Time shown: 11h41
